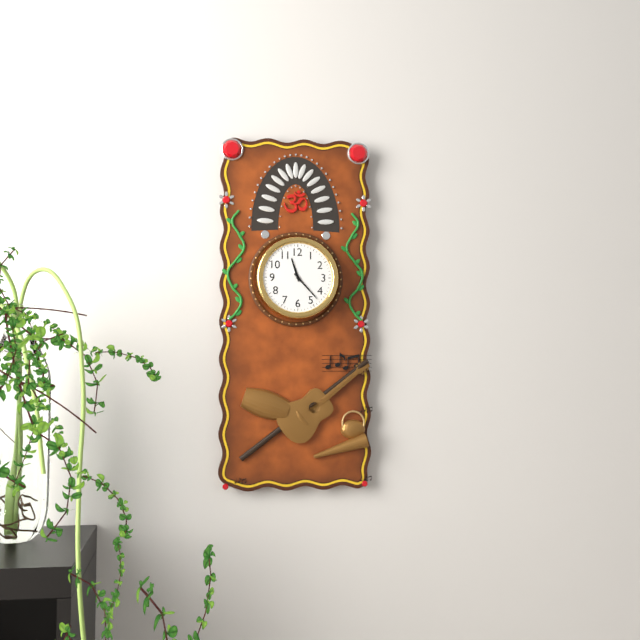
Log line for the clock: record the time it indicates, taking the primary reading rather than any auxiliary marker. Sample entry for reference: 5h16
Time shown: 11h23
